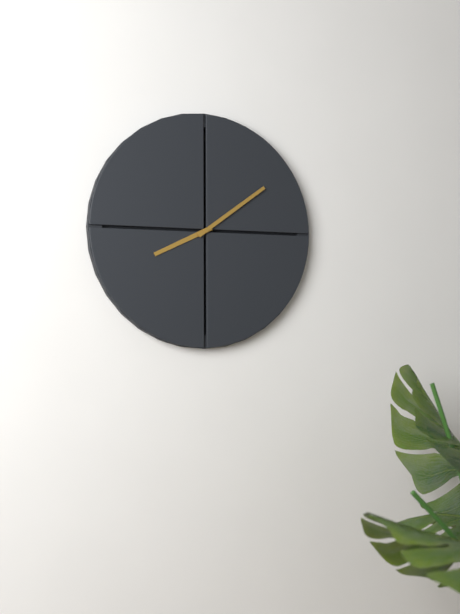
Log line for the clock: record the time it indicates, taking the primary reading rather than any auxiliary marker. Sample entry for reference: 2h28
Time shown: 8h09
